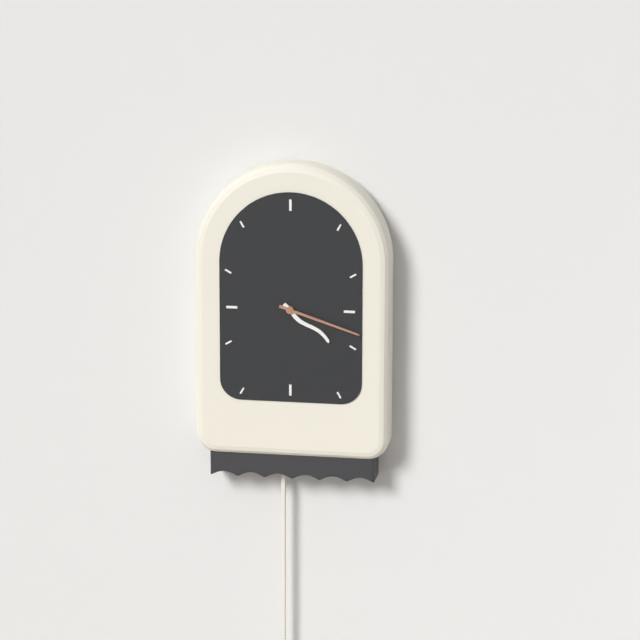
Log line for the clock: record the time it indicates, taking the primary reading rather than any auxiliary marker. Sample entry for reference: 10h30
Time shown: 4h18
